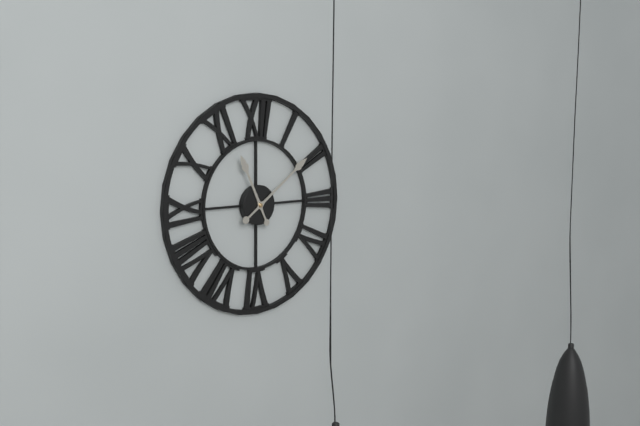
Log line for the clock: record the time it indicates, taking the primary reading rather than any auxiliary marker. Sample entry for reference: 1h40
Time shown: 11h09
